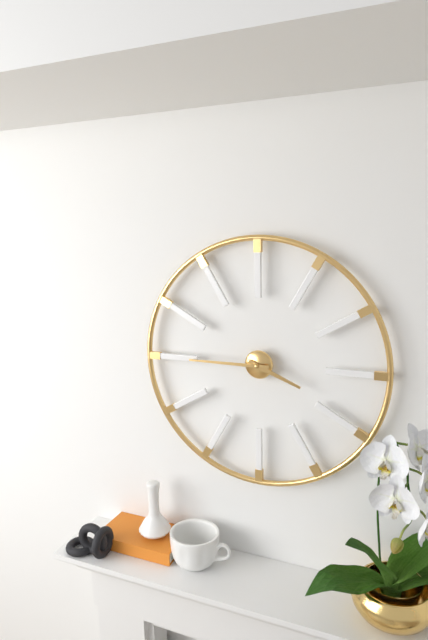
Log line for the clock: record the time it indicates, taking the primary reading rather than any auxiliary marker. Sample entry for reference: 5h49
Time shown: 3h45
